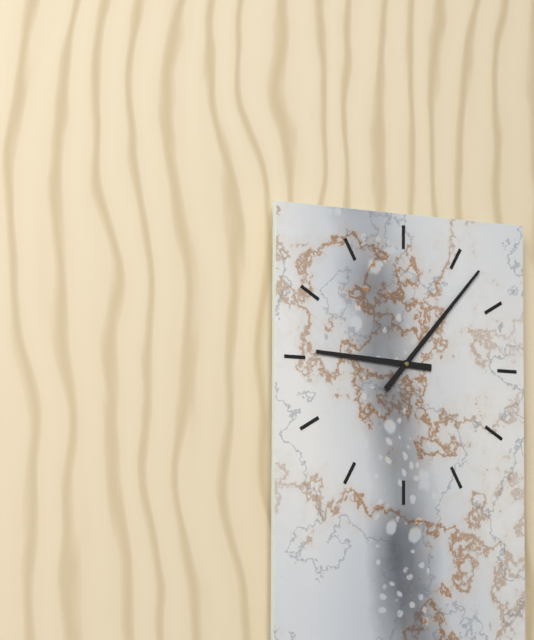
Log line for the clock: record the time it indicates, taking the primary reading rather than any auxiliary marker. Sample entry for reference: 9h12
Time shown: 9h07
